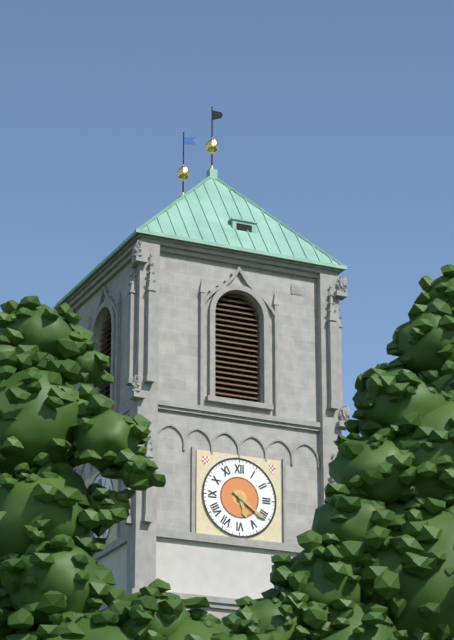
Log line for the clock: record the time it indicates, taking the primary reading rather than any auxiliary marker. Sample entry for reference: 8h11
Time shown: 5h21
